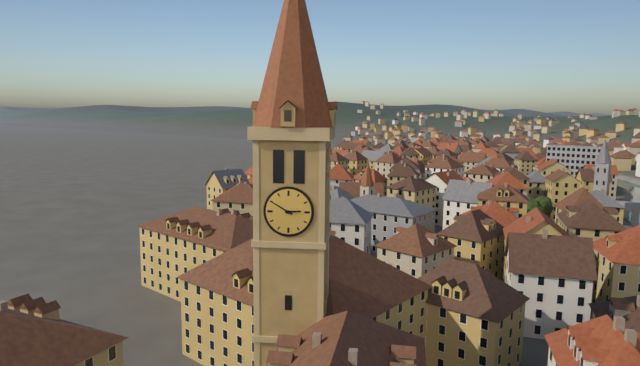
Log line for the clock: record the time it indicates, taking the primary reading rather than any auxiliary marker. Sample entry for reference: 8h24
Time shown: 2h50
